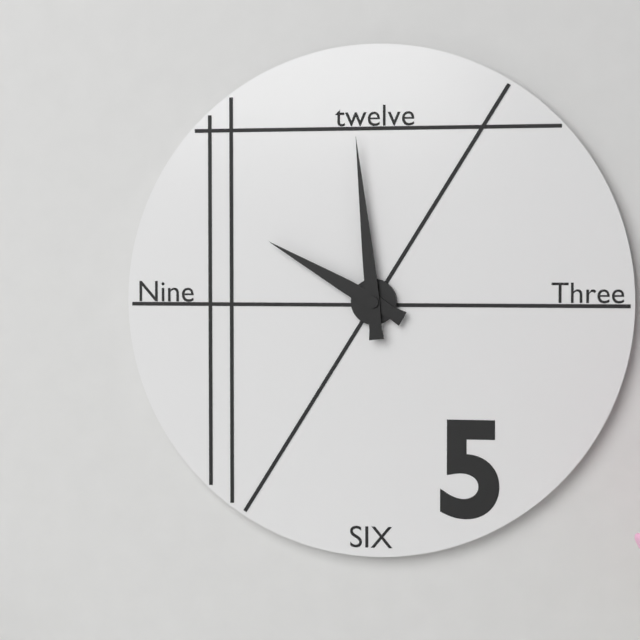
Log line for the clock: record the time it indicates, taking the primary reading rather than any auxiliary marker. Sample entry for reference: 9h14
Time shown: 9h59
